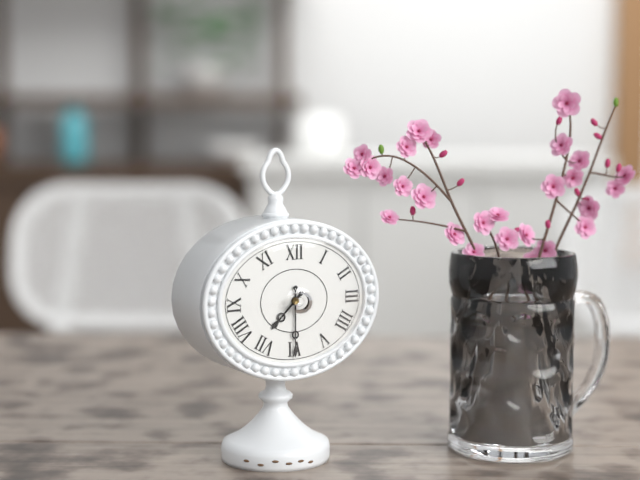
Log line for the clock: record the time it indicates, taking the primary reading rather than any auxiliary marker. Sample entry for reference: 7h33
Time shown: 7h30
